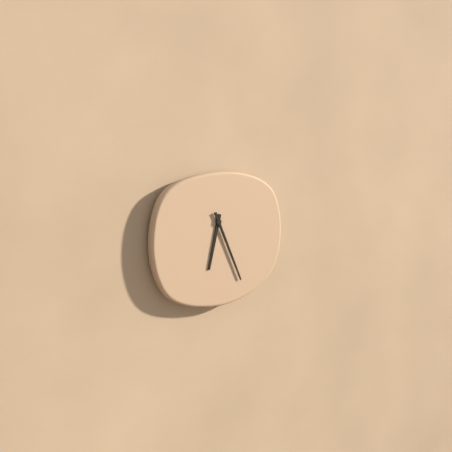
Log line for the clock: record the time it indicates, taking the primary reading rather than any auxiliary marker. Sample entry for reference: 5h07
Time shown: 6h26
